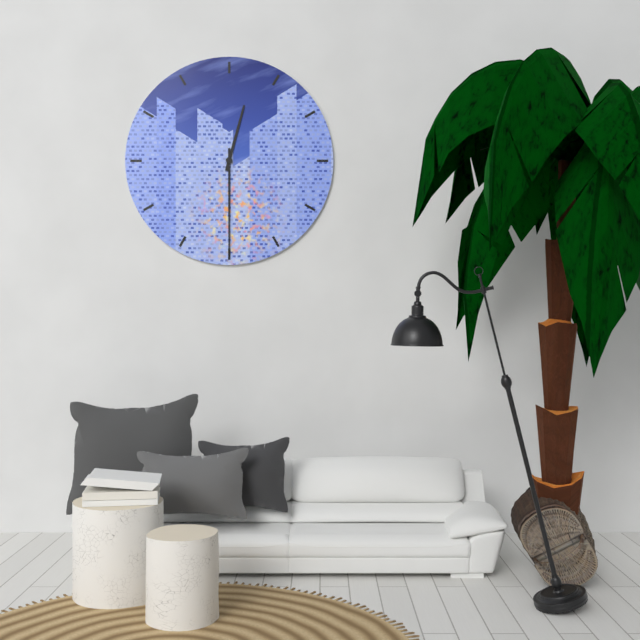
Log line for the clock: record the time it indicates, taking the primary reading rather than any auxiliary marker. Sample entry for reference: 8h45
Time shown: 12h30
